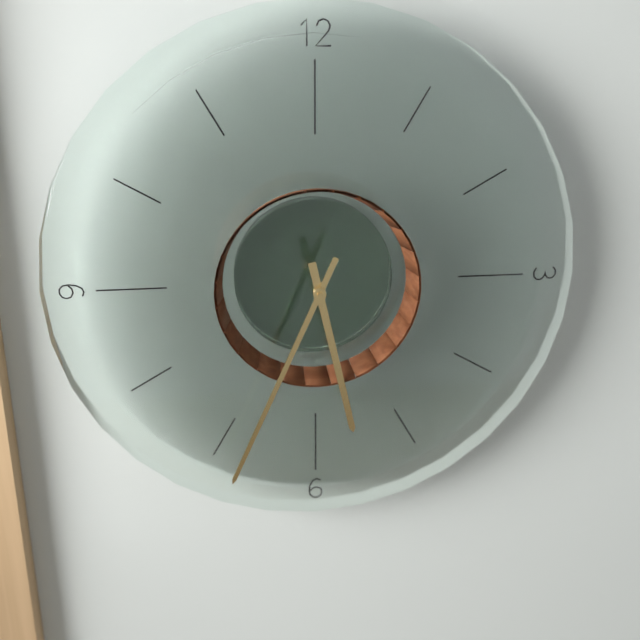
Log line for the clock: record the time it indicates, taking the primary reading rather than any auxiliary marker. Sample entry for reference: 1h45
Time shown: 5h34
